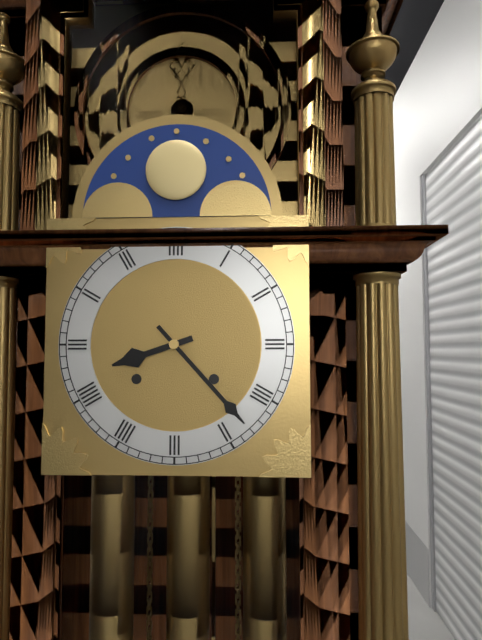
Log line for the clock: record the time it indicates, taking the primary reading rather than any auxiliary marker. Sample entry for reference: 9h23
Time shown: 8h23
